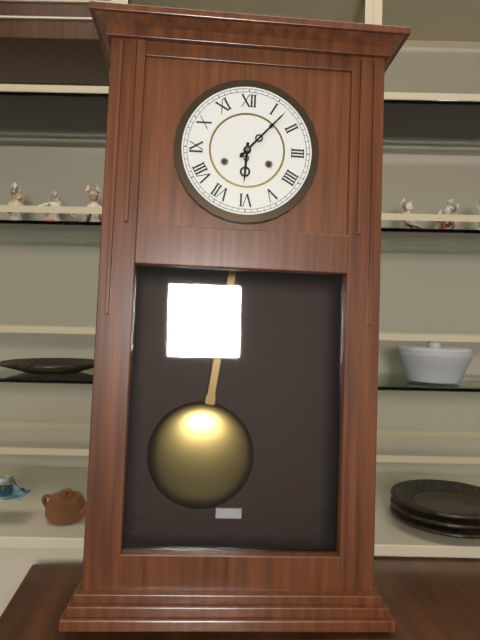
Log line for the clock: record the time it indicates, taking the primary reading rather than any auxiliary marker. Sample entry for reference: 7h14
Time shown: 6h07
